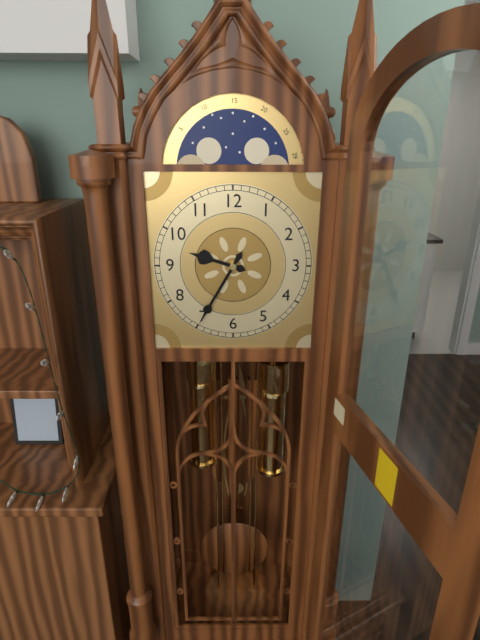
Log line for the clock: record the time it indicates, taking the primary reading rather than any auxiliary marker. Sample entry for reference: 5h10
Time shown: 9h35
